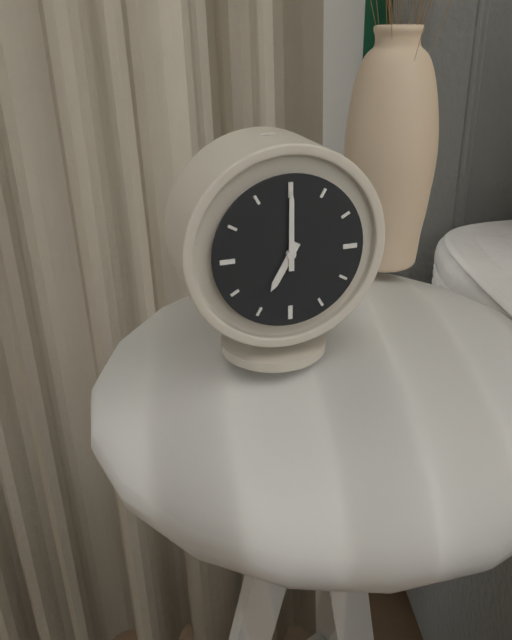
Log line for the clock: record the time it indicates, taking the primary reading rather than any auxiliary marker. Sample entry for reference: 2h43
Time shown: 7h00
